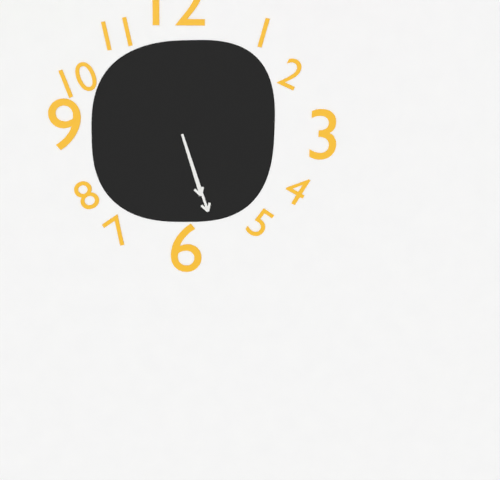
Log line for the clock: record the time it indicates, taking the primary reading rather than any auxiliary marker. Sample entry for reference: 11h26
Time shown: 5h27
